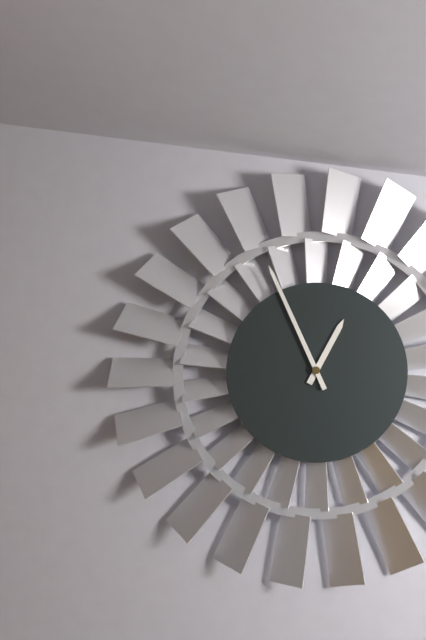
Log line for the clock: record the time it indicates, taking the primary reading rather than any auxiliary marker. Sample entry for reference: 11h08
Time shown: 12h56
